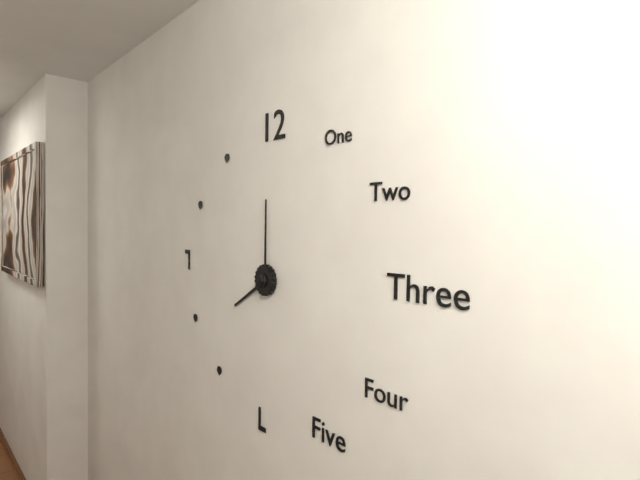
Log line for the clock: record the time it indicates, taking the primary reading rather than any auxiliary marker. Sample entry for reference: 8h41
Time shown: 8h00
